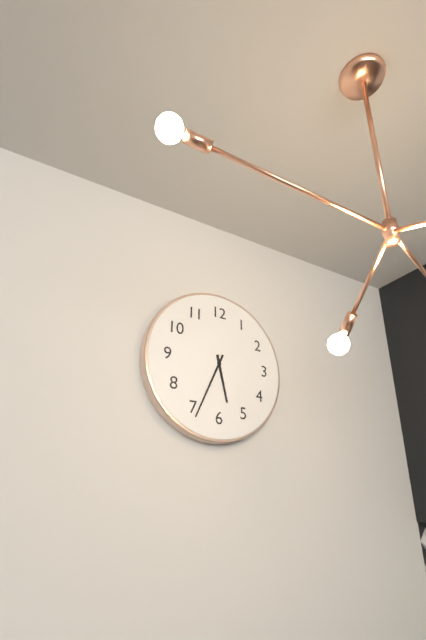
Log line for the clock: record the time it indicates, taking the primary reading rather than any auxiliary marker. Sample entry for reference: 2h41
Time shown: 5h34
